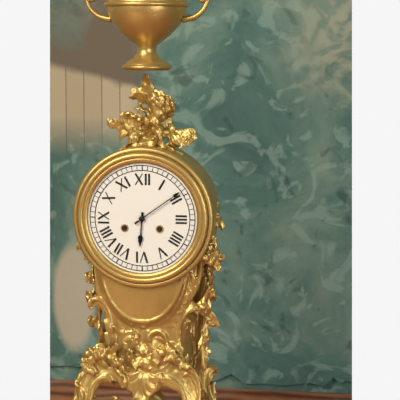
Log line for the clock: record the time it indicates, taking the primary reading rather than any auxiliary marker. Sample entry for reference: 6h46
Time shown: 6h09
